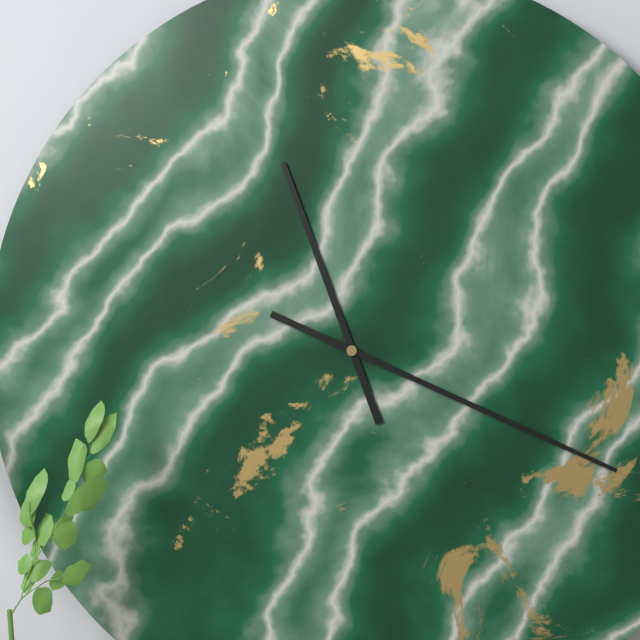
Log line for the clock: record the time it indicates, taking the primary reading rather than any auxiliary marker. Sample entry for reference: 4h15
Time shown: 11h19
